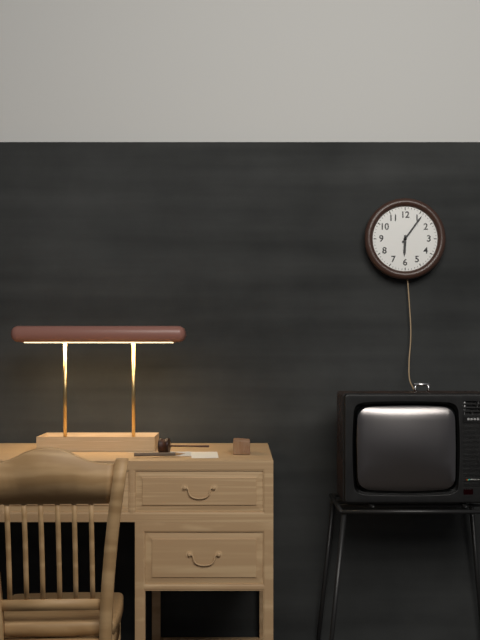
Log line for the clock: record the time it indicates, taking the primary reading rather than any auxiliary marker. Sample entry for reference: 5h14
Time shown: 6h06
